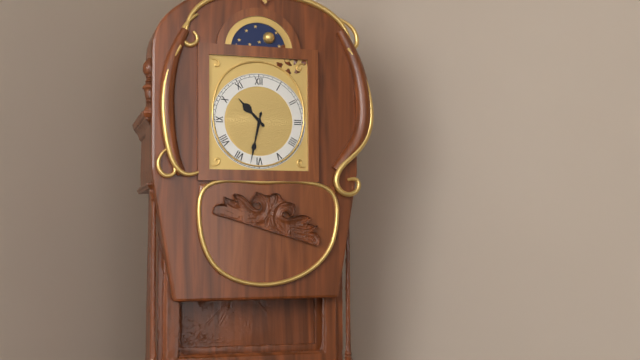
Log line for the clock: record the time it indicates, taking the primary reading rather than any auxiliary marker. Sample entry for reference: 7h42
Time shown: 10h32
